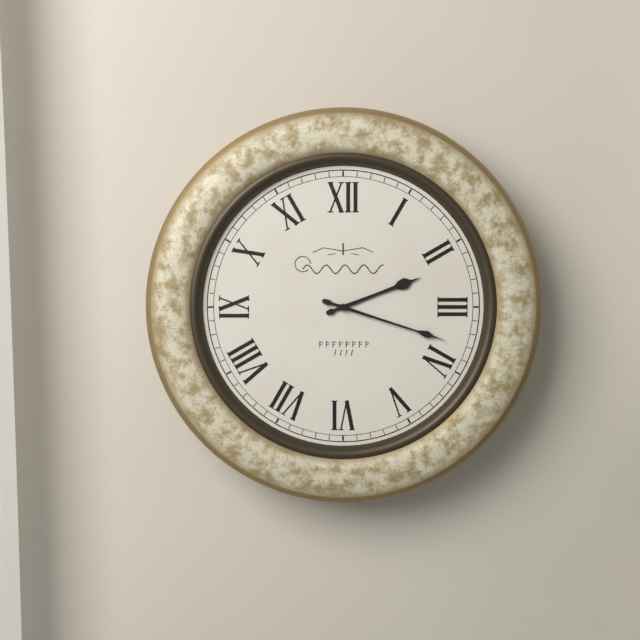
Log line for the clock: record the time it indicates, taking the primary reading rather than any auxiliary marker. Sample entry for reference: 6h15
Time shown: 2h18
